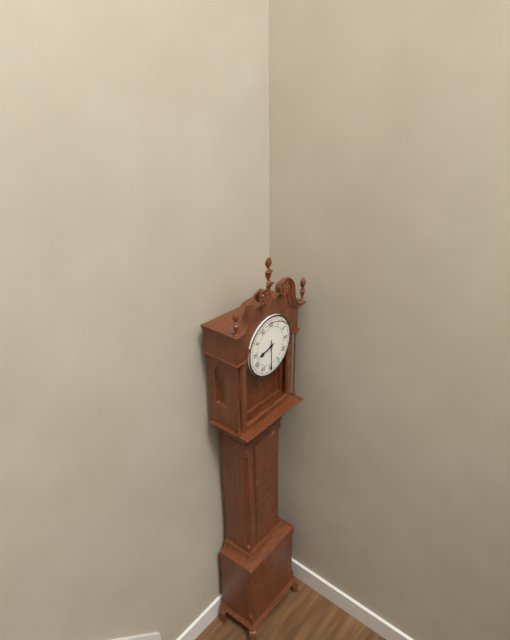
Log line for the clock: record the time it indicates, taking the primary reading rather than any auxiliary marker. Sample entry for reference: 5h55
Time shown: 8h30
